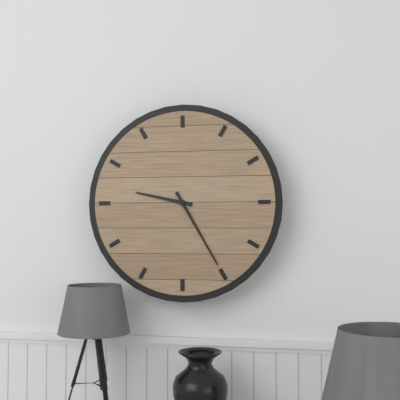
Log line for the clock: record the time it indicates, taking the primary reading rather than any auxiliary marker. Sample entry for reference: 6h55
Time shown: 9h25
